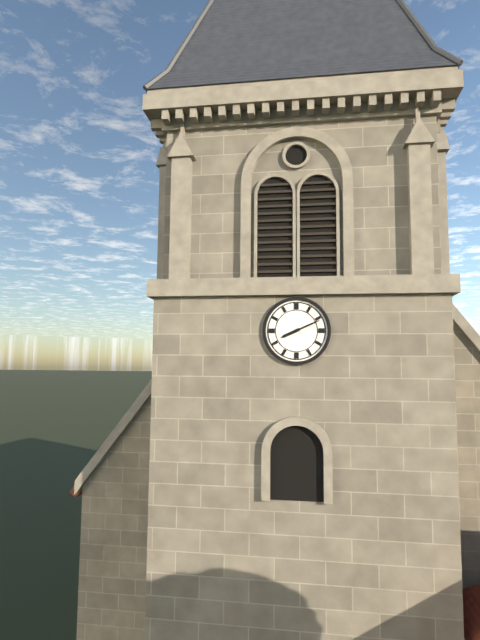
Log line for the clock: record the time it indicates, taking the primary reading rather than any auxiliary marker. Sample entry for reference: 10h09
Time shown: 8h11
